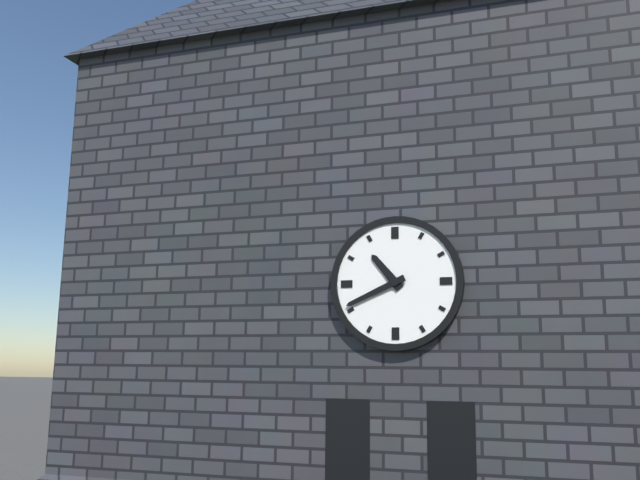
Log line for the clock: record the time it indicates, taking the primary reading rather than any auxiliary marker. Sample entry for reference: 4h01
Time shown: 10h41
